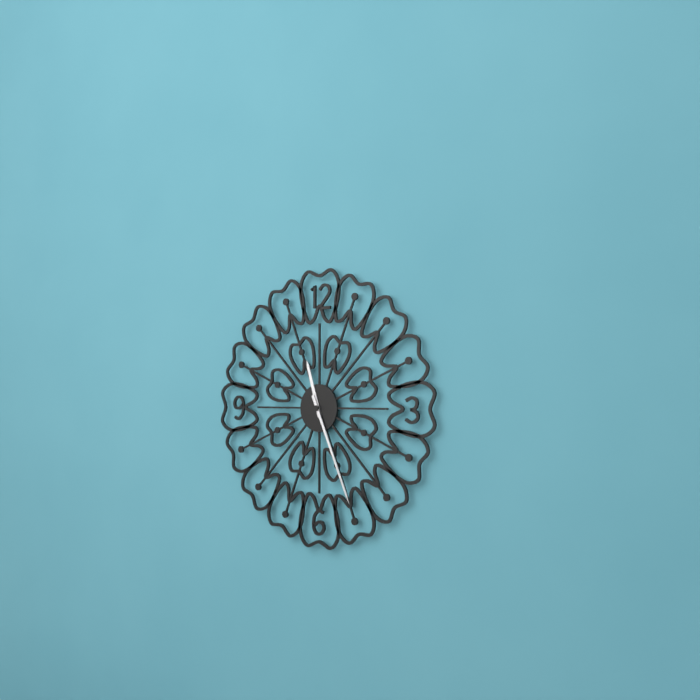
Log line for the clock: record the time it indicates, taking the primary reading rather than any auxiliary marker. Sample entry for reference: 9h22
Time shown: 11h26
